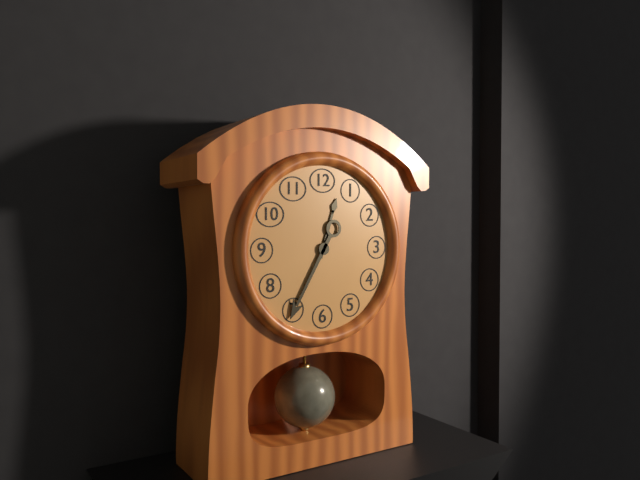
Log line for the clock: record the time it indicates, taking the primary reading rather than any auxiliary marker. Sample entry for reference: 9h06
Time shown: 12h35
